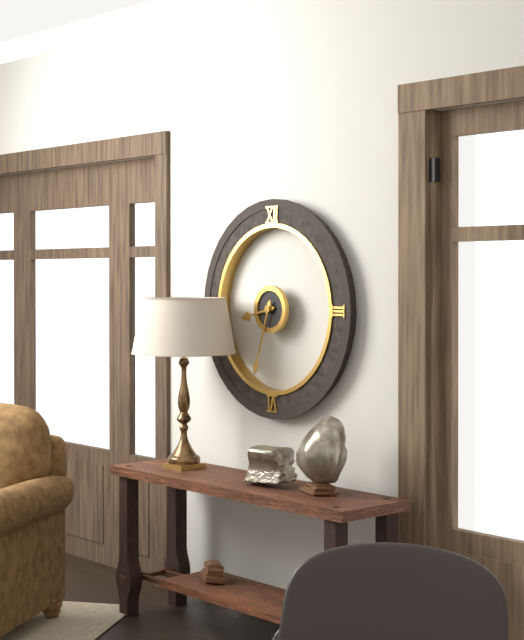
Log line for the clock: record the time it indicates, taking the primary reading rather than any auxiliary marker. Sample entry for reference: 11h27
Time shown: 8h33
